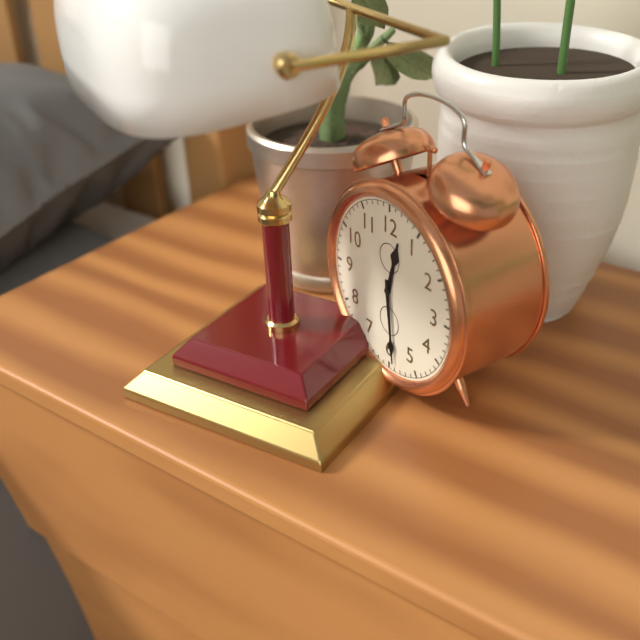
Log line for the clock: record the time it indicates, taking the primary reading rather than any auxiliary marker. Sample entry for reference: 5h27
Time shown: 12h29
